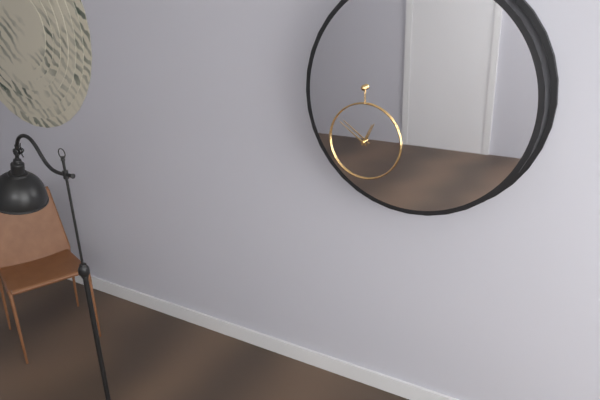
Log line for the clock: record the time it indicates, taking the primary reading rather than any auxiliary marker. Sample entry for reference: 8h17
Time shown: 12h51
